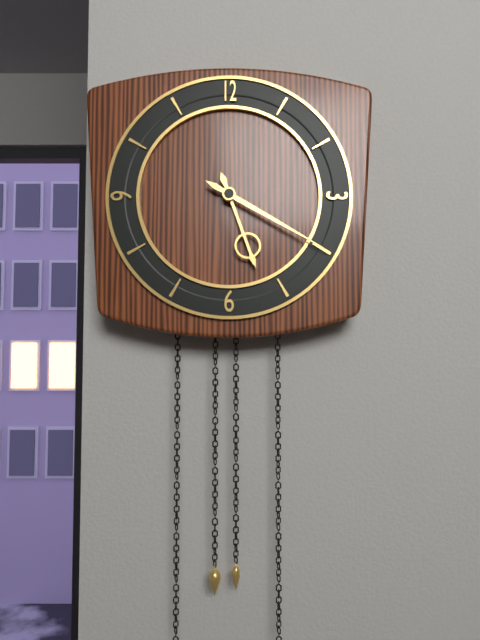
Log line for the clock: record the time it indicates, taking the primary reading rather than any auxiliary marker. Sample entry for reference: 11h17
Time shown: 5h20
